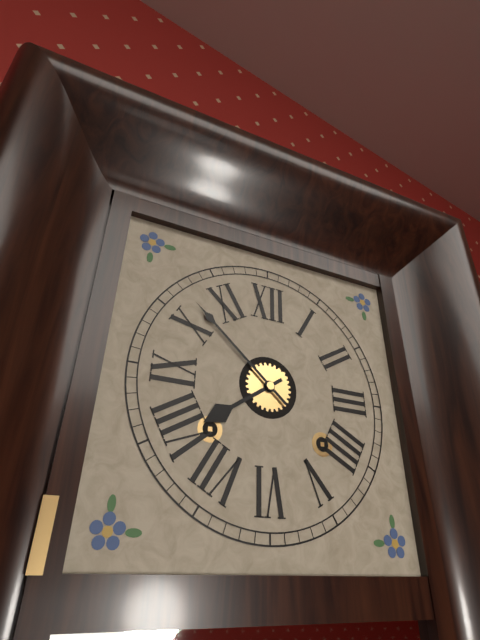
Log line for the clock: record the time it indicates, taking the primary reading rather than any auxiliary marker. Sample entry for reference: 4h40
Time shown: 7h52
